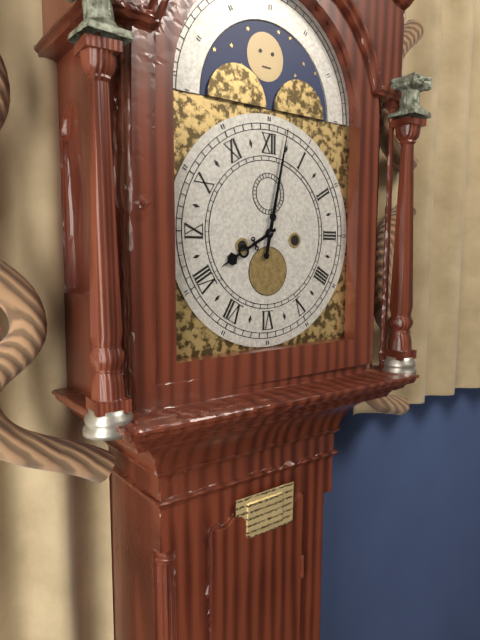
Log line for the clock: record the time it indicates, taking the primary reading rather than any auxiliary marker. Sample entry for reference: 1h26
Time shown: 8h02
